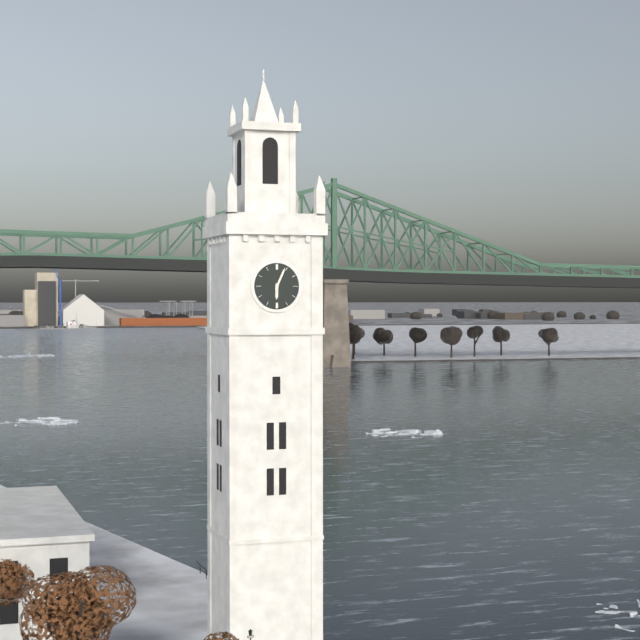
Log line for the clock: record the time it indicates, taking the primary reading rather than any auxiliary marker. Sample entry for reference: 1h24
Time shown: 6h04
